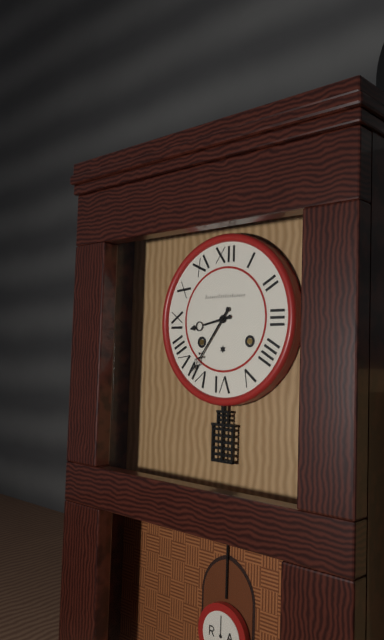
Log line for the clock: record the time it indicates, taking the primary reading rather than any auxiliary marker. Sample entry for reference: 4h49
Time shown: 8h36
